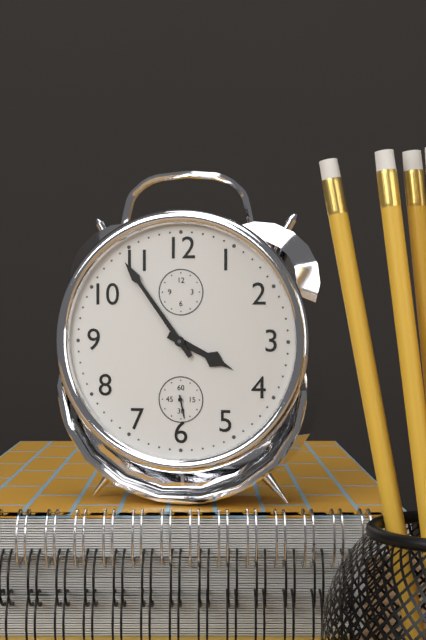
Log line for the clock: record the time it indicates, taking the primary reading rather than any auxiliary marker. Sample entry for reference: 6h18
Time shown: 3h54
